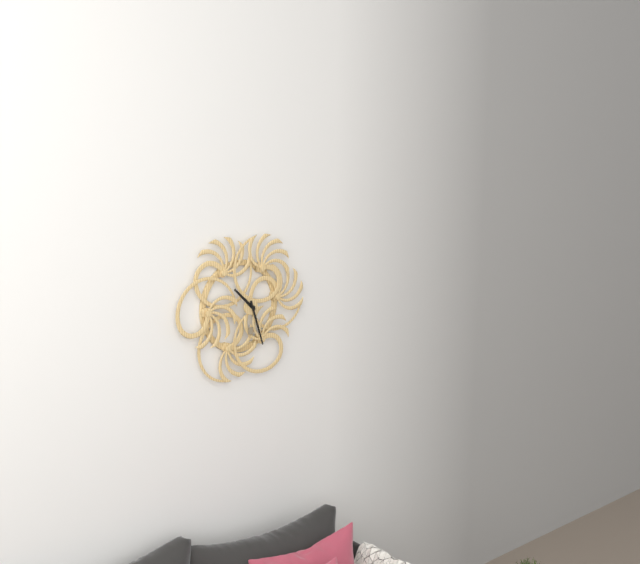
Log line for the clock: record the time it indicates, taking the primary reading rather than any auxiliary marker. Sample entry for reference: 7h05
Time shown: 10h27
